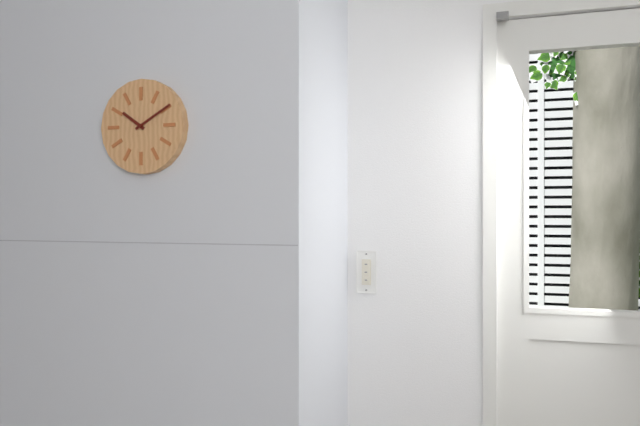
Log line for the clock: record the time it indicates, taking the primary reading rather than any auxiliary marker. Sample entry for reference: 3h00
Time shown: 10h10
